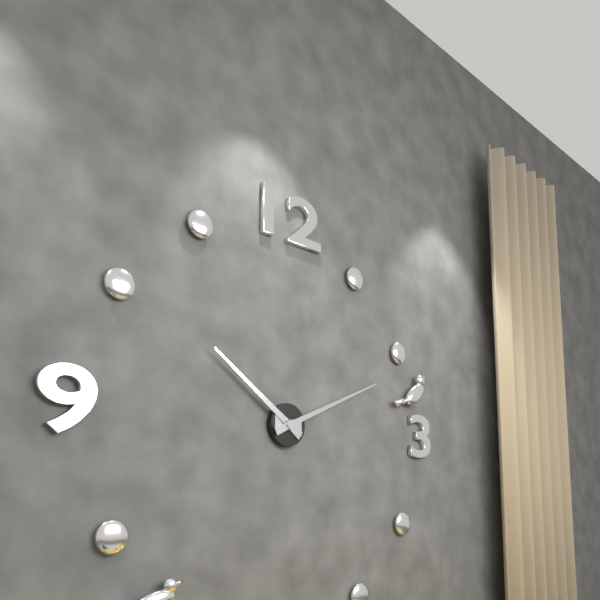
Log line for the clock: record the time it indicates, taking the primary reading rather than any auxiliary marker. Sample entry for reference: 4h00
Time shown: 10h11
